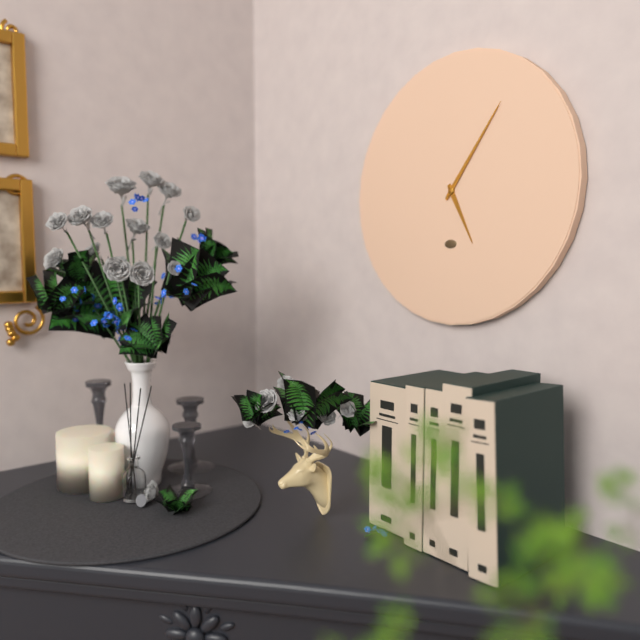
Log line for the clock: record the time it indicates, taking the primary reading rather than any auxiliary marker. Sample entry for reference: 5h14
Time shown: 5h06
